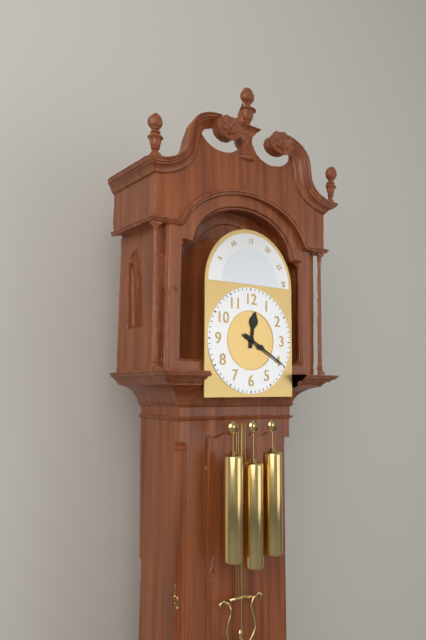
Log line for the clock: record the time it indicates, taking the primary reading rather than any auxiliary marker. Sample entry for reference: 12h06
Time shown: 12h20
